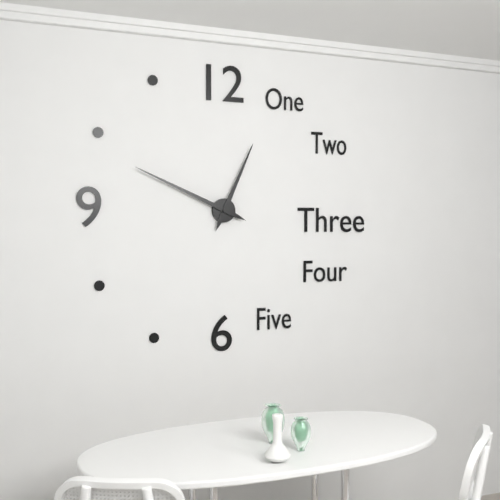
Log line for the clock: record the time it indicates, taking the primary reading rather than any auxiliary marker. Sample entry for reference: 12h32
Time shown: 12h49
